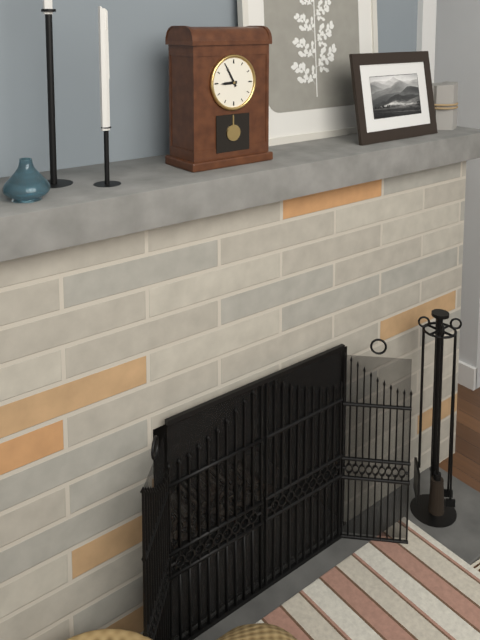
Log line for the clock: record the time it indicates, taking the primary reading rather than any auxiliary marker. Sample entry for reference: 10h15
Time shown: 8h55
